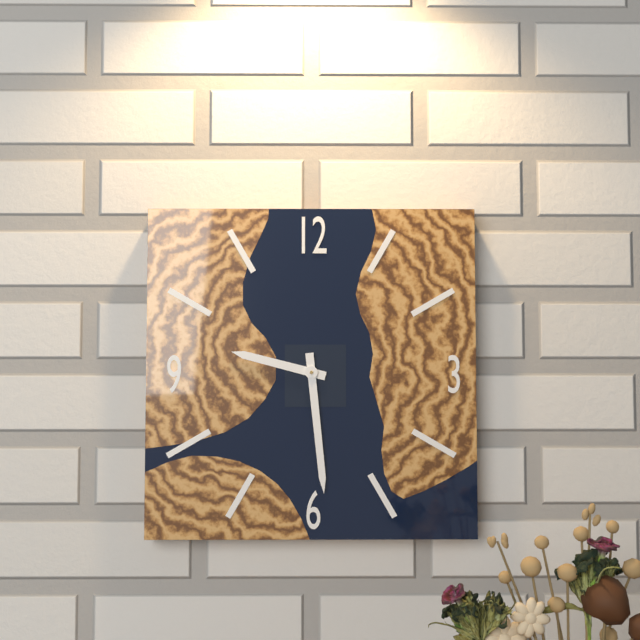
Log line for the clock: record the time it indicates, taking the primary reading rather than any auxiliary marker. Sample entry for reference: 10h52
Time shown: 9h29
